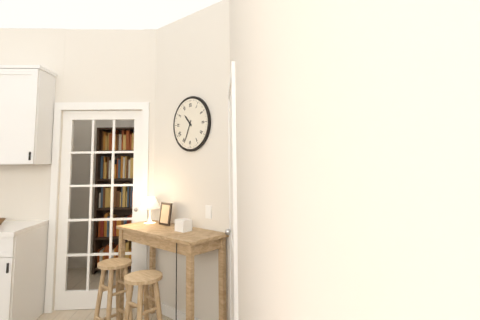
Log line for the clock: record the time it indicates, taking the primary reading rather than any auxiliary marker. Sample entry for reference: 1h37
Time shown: 10h34
